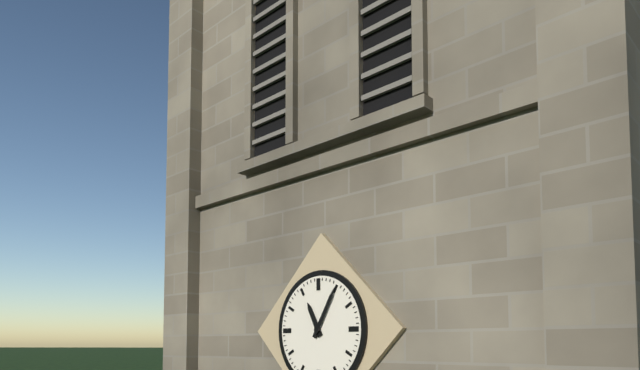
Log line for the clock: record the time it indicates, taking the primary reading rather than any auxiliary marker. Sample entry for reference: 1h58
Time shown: 11h05
